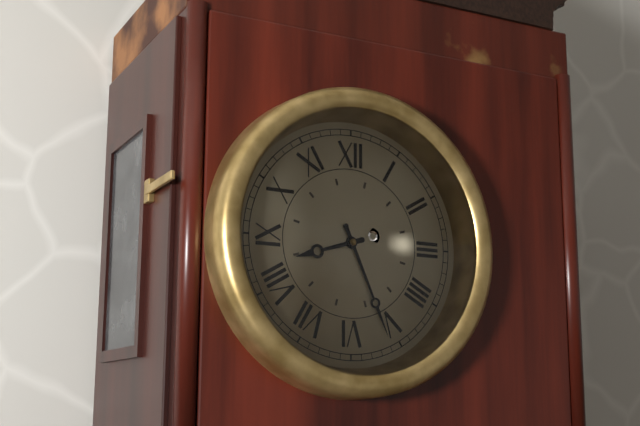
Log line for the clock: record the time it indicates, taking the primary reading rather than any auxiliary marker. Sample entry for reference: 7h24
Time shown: 8h26
